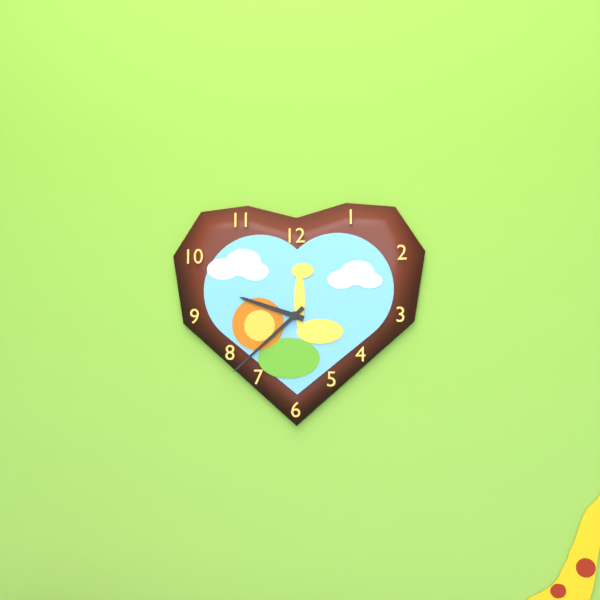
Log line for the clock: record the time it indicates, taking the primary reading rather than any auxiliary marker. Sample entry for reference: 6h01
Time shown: 9h38
